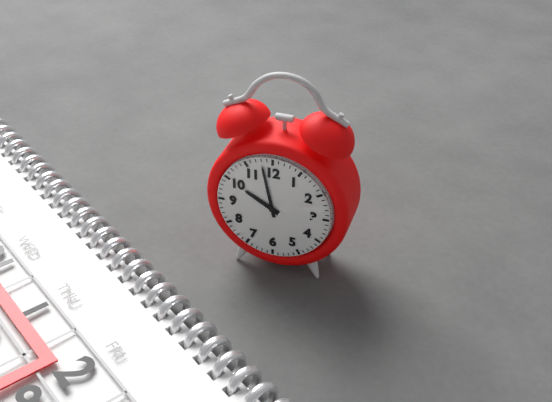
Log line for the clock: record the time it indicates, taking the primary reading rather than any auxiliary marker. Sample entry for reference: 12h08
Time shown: 9h58
